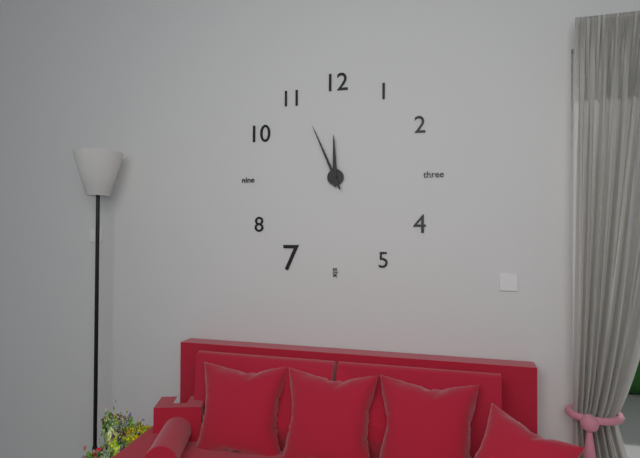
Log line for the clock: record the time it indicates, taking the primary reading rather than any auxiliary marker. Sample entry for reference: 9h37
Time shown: 11h56
